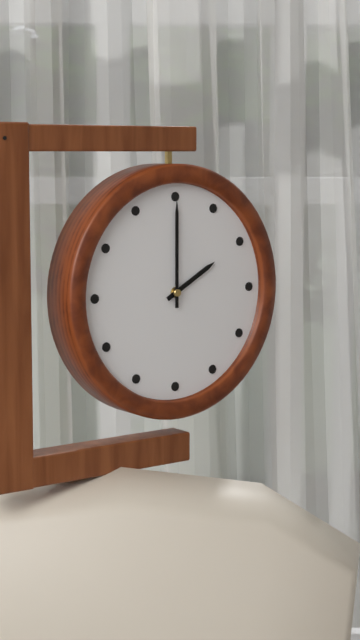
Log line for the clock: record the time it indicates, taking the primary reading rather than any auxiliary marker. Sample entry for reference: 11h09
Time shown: 2h00
